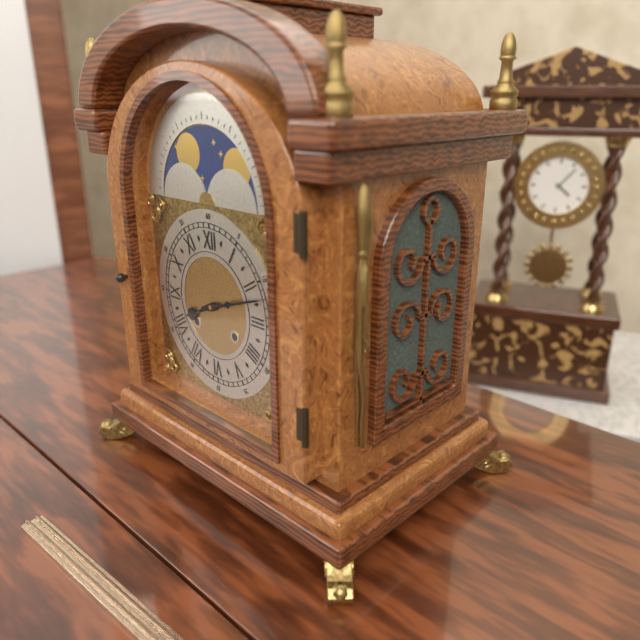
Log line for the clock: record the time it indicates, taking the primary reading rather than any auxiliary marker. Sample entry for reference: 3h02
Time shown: 8h12
